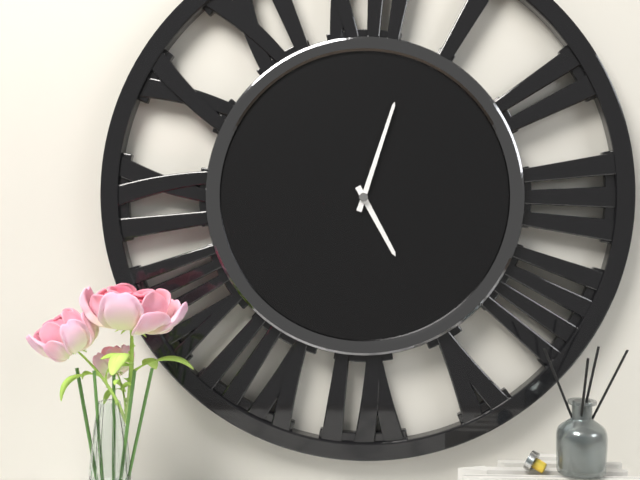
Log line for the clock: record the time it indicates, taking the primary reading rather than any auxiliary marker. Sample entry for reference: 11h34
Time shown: 5h03
